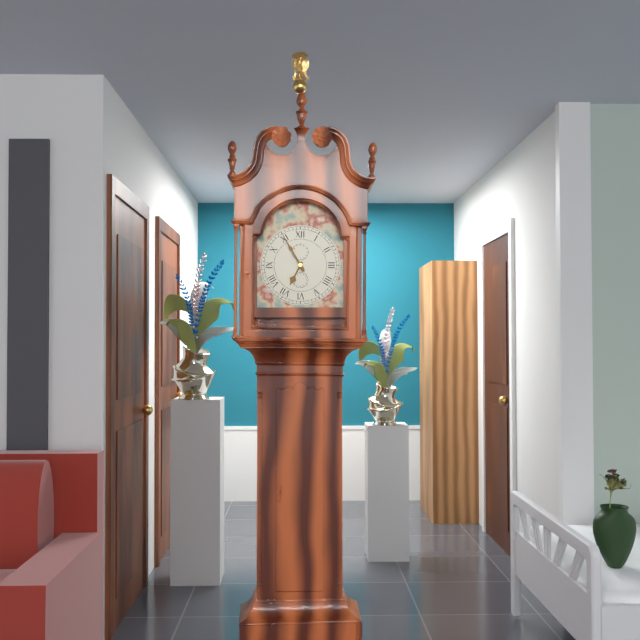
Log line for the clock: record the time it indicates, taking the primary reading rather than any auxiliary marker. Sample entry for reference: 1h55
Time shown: 6h55
